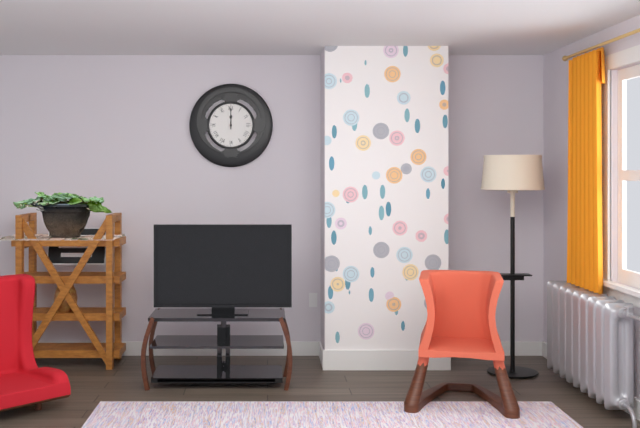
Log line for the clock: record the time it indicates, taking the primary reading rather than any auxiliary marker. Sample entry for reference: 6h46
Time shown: 12h00
